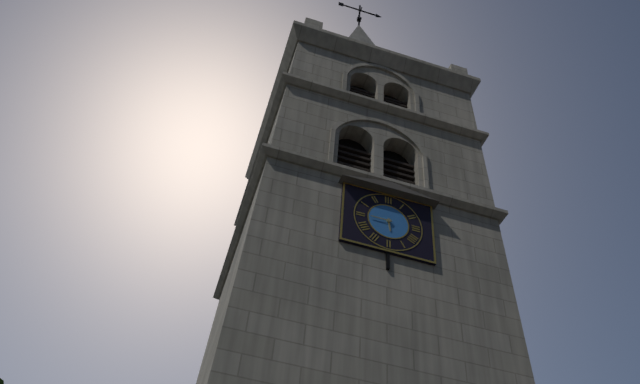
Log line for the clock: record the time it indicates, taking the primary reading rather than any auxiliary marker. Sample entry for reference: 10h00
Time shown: 5h45
